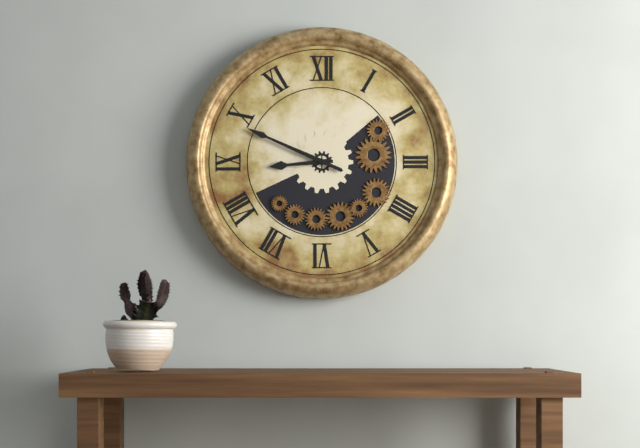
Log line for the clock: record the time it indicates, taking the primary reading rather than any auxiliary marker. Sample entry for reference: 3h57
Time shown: 8h49
